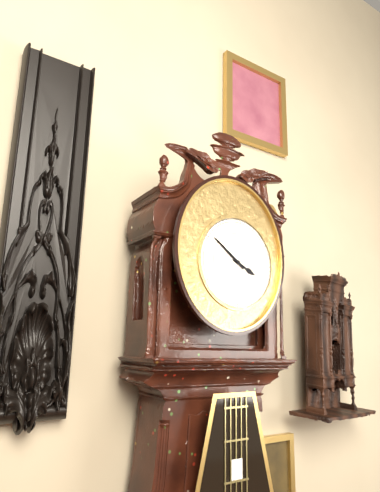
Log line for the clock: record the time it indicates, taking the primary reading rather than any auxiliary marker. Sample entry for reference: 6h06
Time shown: 3h51
